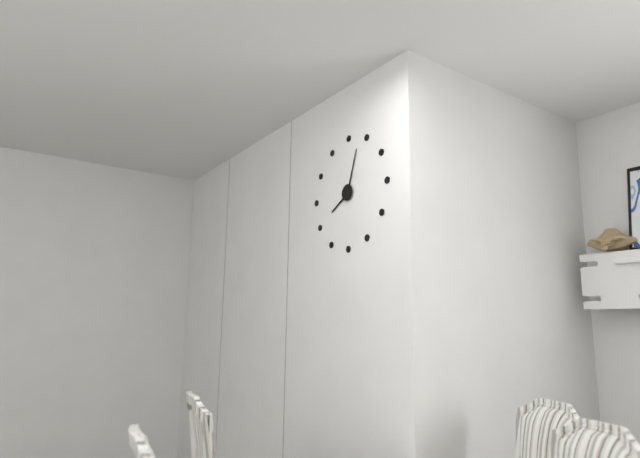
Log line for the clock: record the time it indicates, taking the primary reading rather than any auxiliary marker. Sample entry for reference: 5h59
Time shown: 8h03
